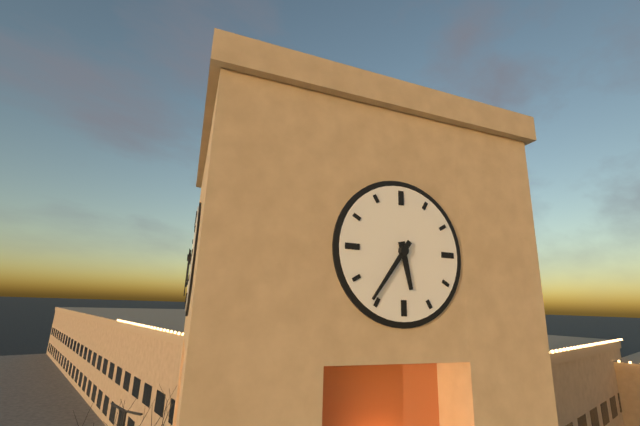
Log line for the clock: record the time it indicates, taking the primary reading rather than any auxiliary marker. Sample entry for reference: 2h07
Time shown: 5h36
